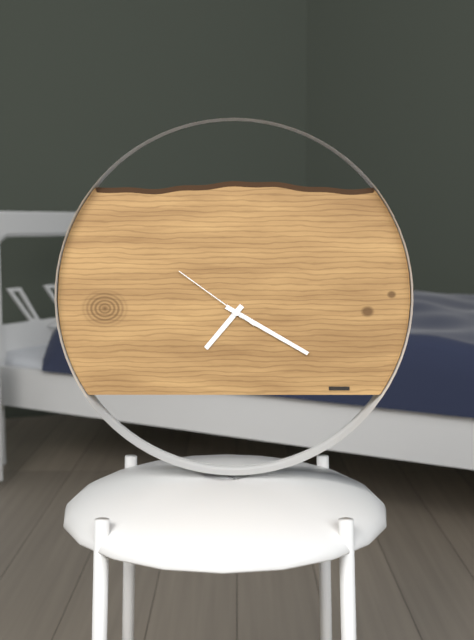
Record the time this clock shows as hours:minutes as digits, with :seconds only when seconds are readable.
7:20:51
